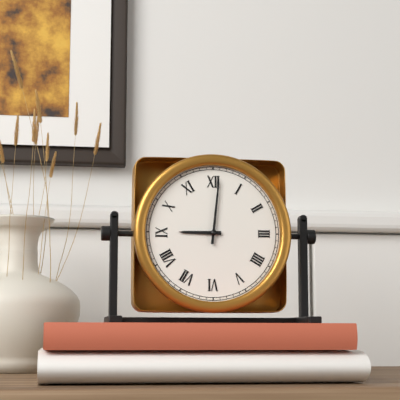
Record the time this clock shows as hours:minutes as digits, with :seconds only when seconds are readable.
9:01
